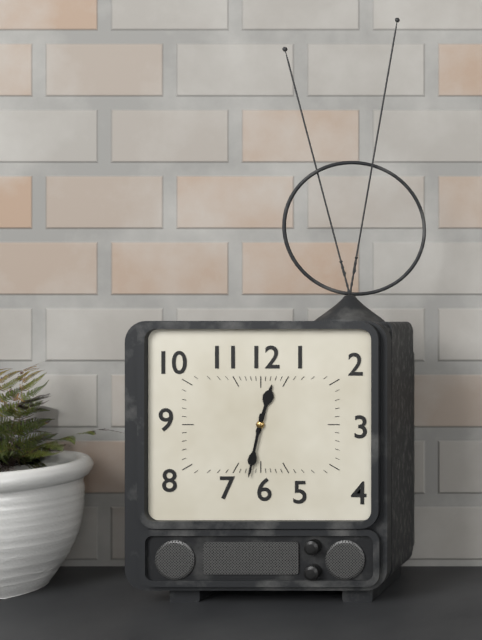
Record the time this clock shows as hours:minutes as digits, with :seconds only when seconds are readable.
12:32
